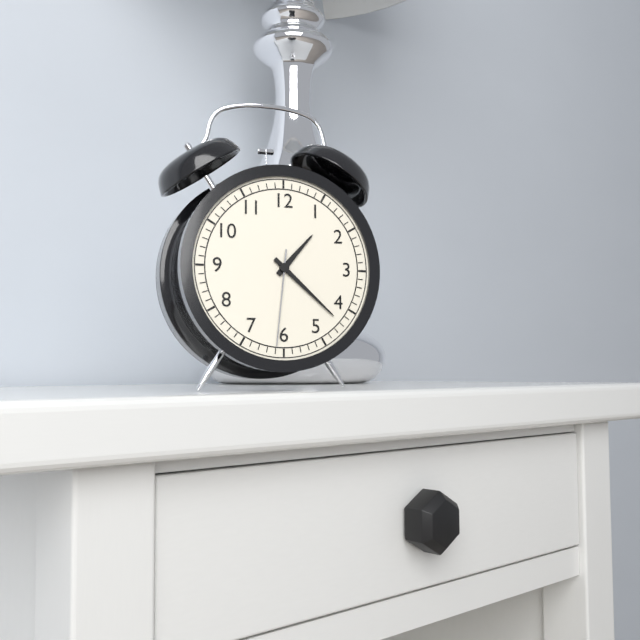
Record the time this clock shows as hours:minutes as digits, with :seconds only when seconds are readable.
1:22:31
